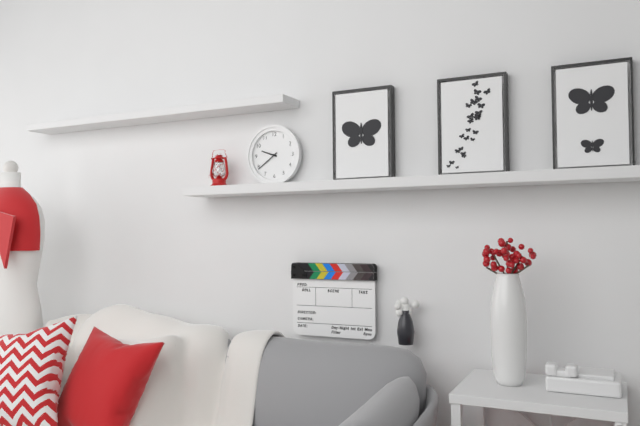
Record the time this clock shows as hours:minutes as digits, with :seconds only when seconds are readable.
9:39
